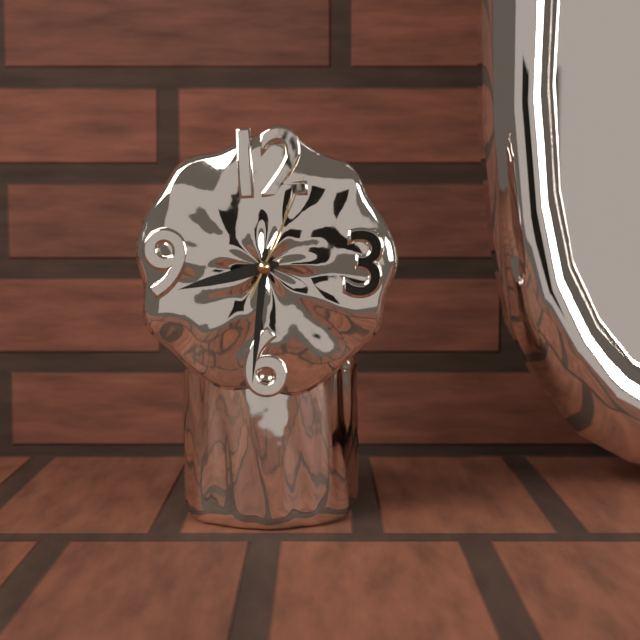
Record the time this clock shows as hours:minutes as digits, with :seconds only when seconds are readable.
8:31:04
